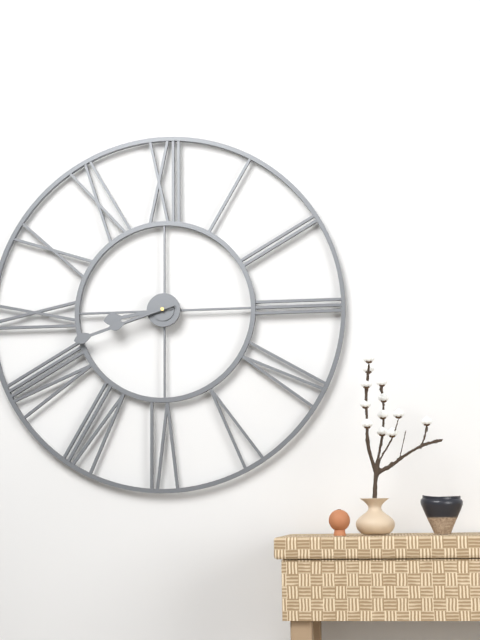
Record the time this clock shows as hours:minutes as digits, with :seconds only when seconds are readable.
8:42:42
